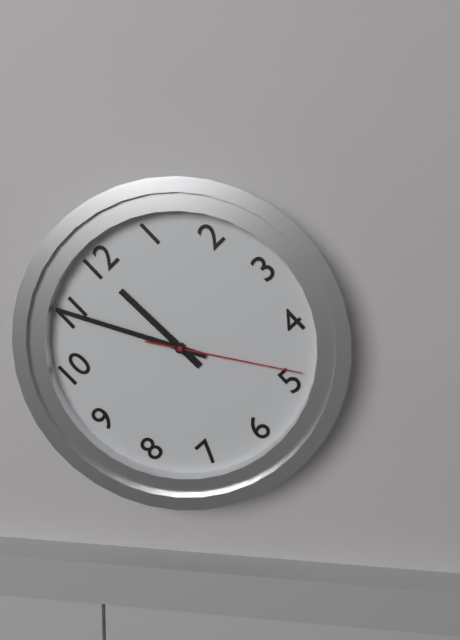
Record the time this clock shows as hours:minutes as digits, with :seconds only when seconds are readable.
11:55:24
